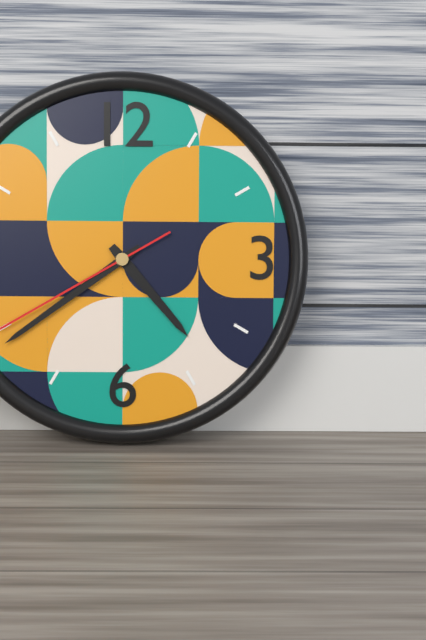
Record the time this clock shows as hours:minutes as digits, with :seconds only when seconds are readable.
4:39
